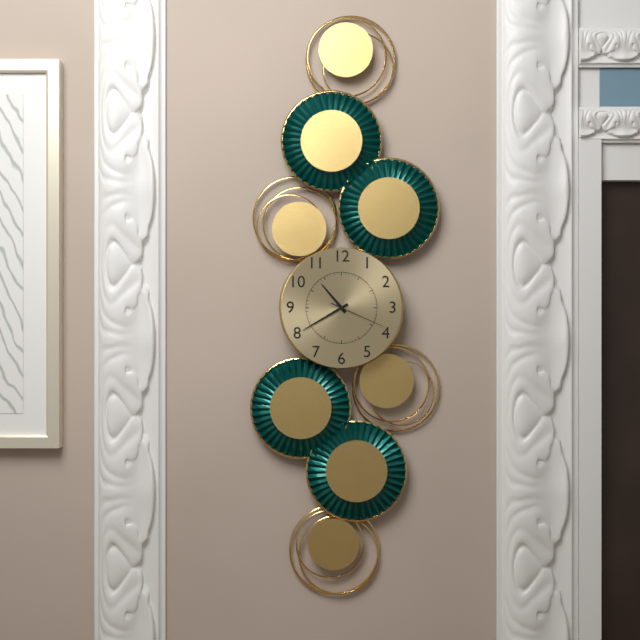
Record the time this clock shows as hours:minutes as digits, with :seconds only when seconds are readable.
10:40:19
